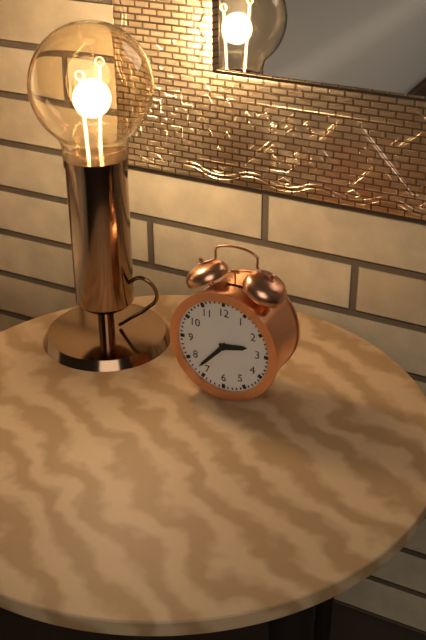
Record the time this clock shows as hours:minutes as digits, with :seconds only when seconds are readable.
2:37
